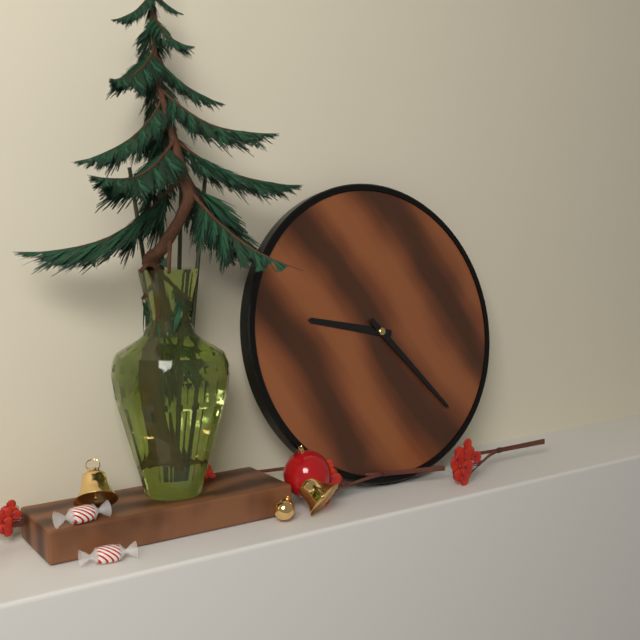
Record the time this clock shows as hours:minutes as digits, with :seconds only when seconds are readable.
9:23
